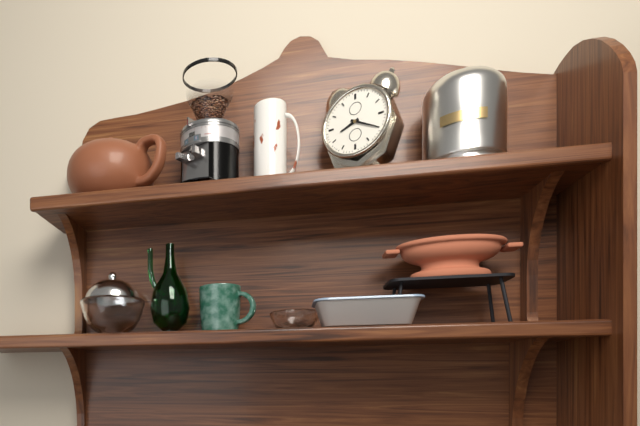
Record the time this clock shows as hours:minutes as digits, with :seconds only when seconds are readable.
8:20
